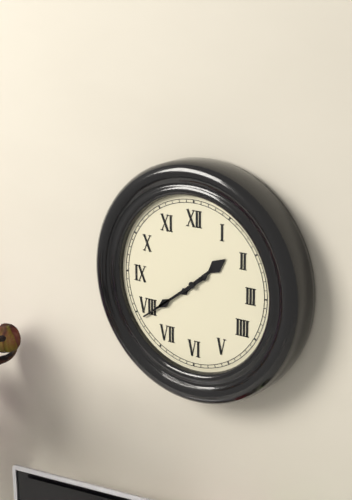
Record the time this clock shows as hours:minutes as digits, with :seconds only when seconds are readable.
1:39
